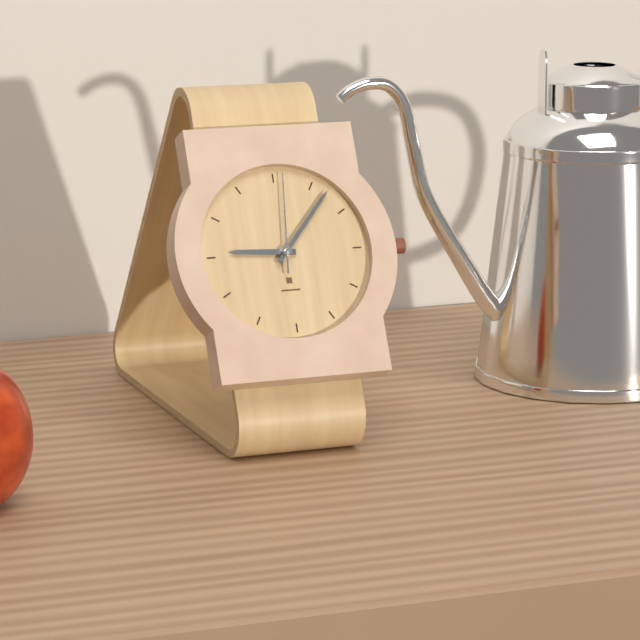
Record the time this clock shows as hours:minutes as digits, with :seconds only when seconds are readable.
9:07:01
